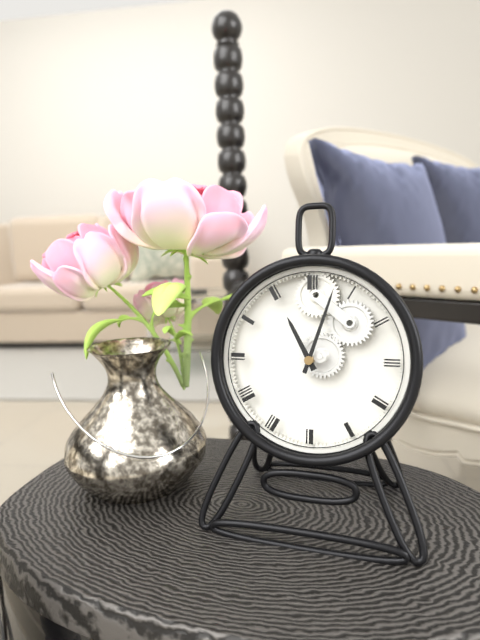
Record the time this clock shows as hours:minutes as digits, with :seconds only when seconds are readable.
11:03
